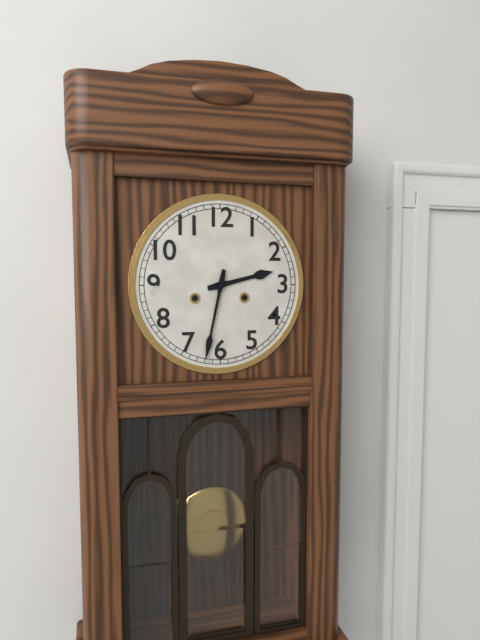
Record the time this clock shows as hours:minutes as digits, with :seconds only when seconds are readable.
2:32
